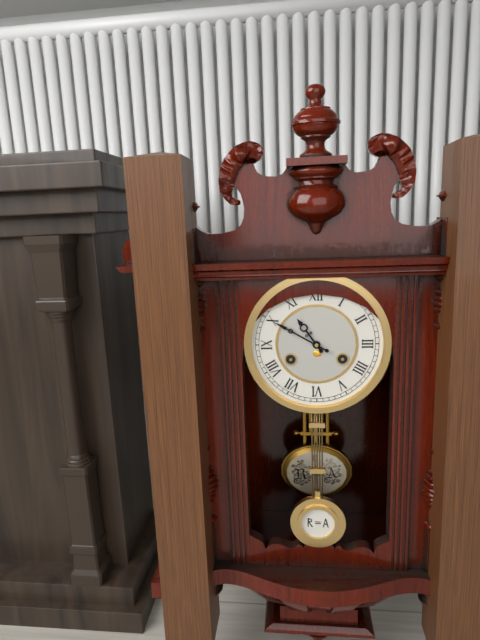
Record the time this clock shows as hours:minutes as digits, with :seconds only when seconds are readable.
10:50
